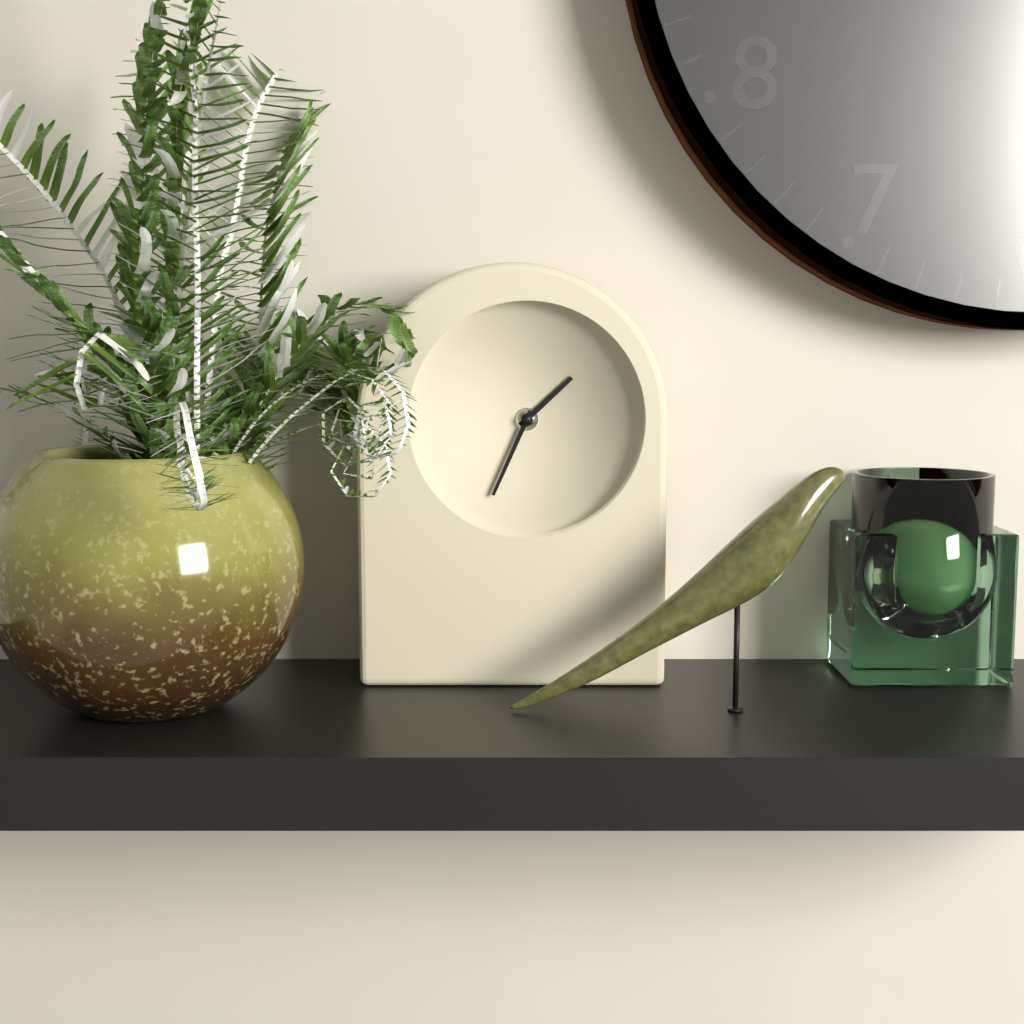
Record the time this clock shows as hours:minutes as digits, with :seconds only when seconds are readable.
1:34
